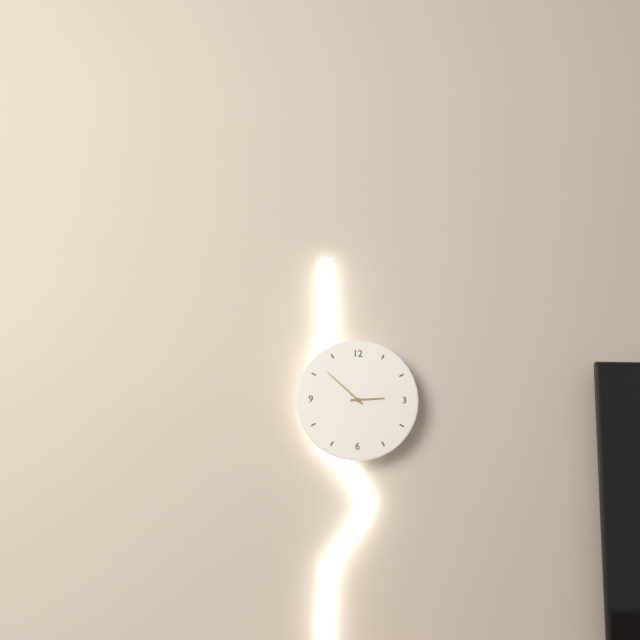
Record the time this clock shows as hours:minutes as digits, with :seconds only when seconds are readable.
2:52
